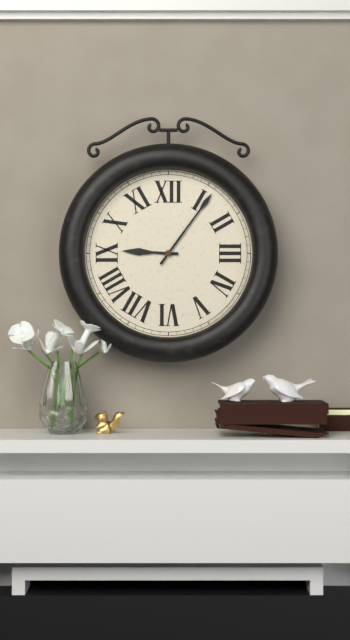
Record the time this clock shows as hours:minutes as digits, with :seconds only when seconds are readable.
9:06
